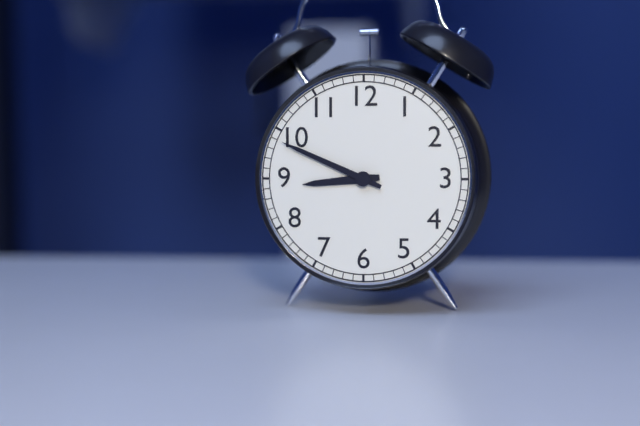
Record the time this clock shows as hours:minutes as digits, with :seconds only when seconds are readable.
8:49
